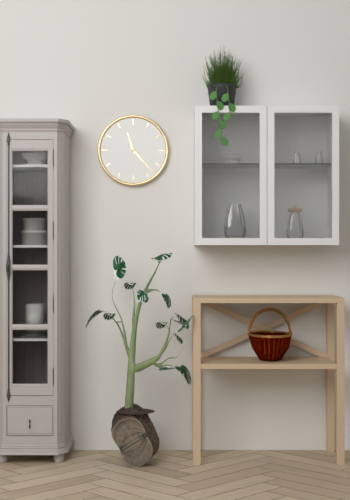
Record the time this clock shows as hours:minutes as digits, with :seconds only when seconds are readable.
11:23
